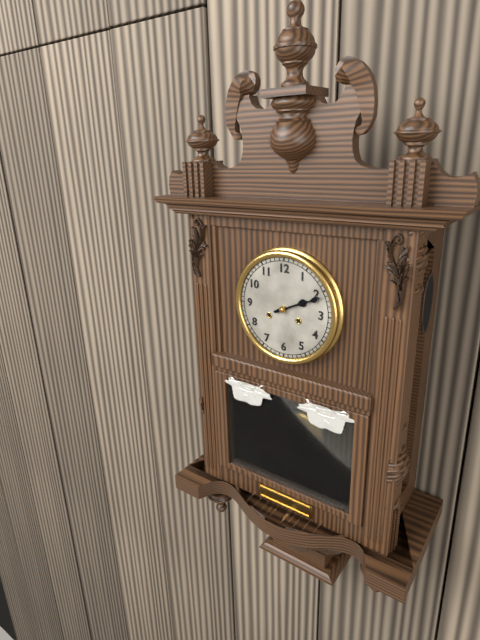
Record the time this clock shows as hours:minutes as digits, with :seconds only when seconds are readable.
2:11
